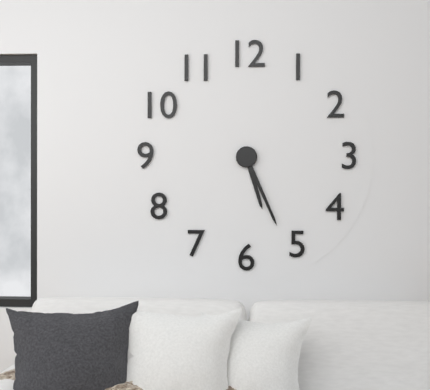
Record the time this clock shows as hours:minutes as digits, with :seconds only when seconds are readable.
5:26
